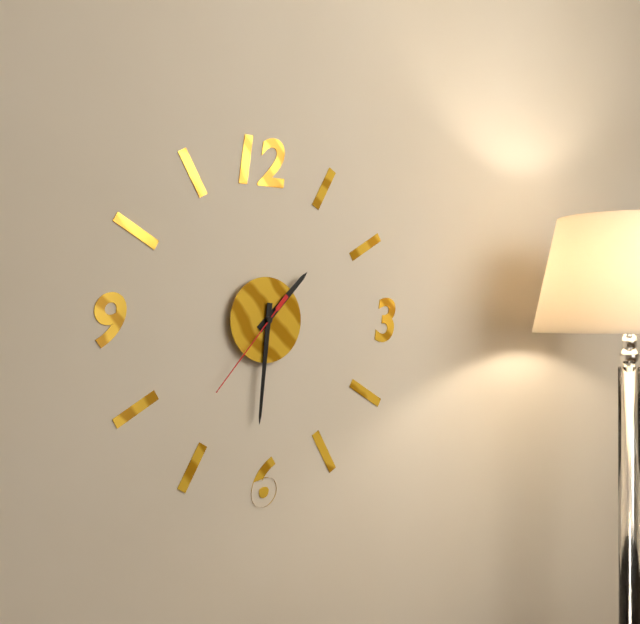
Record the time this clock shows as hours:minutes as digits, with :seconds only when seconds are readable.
1:31:37
